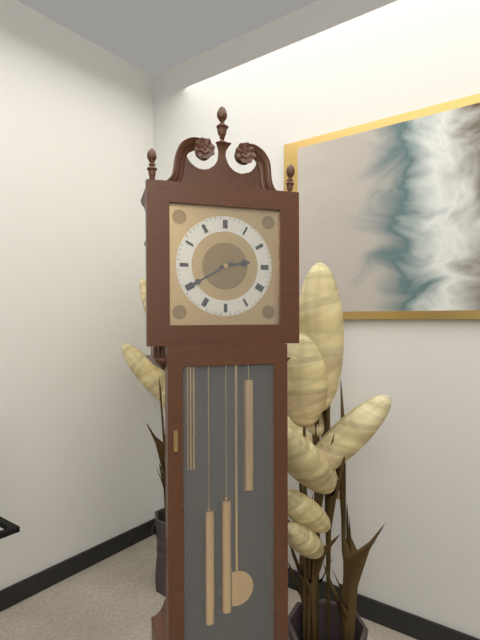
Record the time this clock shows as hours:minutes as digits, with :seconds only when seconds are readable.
2:40
